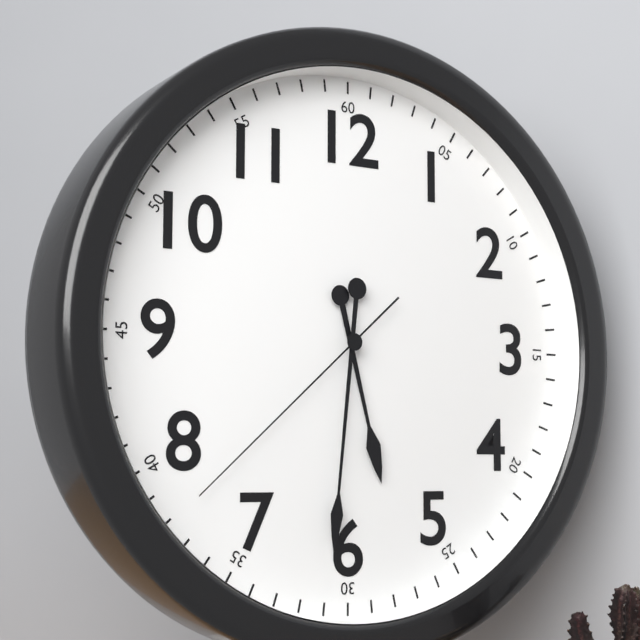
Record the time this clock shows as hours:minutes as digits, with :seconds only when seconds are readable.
5:31:38
